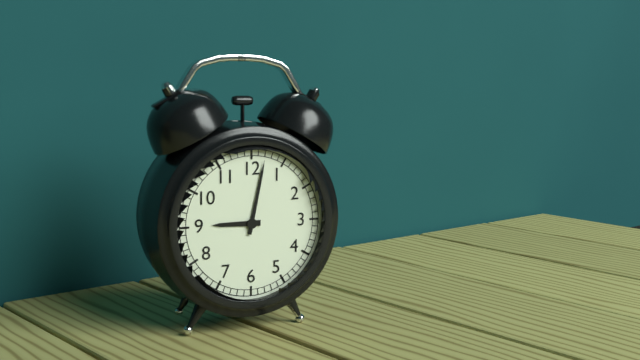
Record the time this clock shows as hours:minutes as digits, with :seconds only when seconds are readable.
9:02
